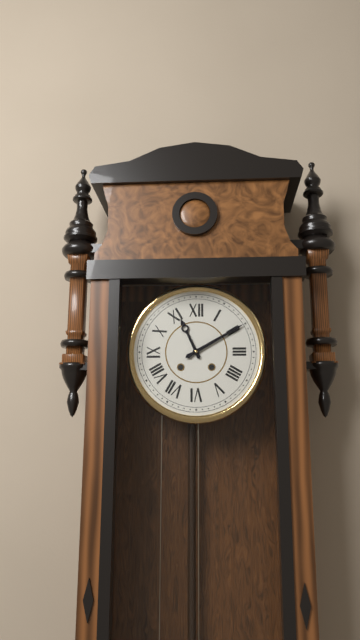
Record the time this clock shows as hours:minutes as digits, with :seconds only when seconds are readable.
11:10
